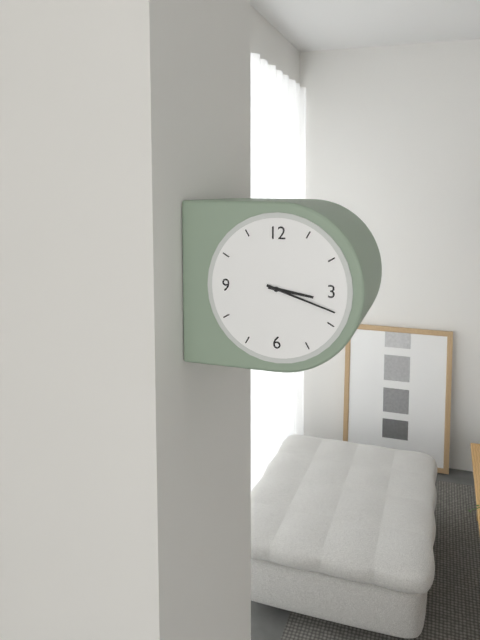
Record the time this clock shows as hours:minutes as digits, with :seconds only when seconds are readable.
3:18
